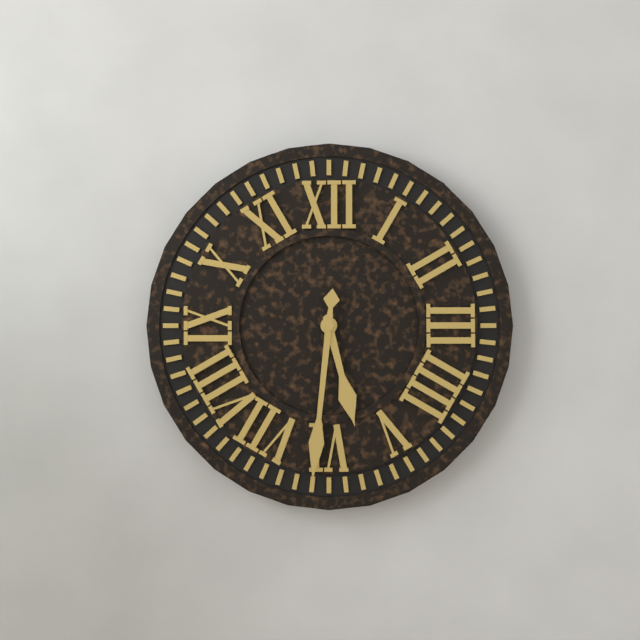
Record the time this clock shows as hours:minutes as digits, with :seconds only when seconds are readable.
5:31
